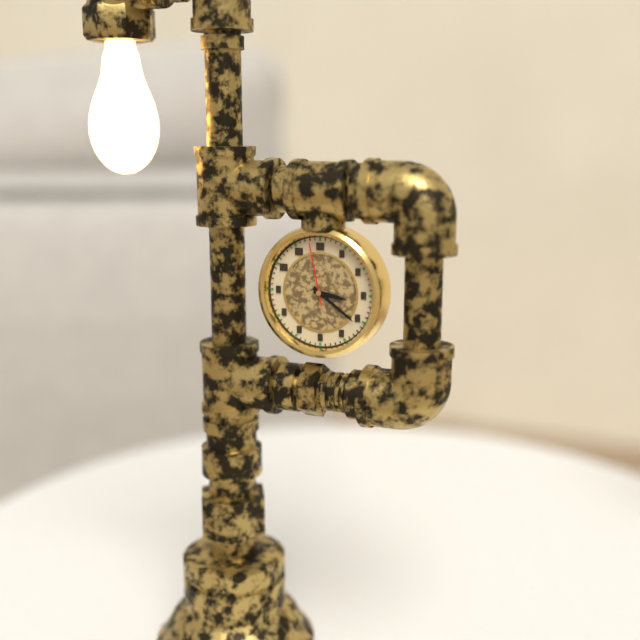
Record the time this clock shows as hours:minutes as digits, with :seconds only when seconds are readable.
3:21:58
